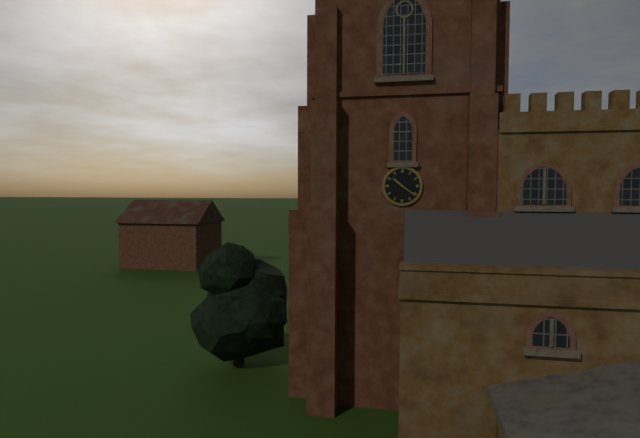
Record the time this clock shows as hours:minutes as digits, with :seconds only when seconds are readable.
10:21
